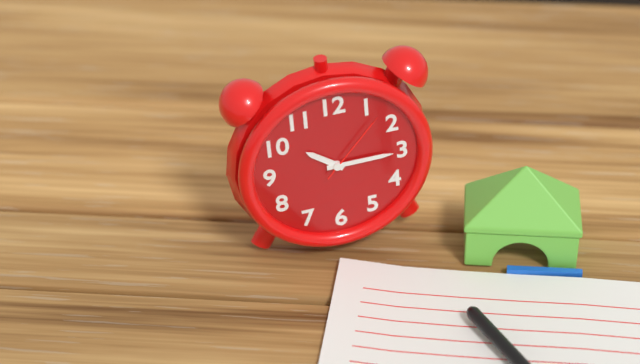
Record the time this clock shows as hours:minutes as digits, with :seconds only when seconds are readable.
10:15:07
